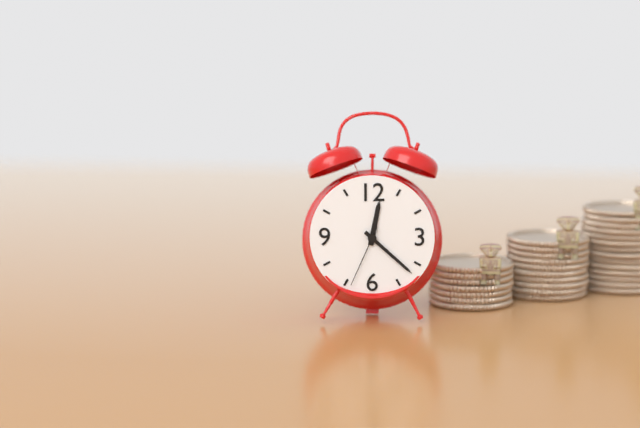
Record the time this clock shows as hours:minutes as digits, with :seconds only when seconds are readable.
12:22:34
